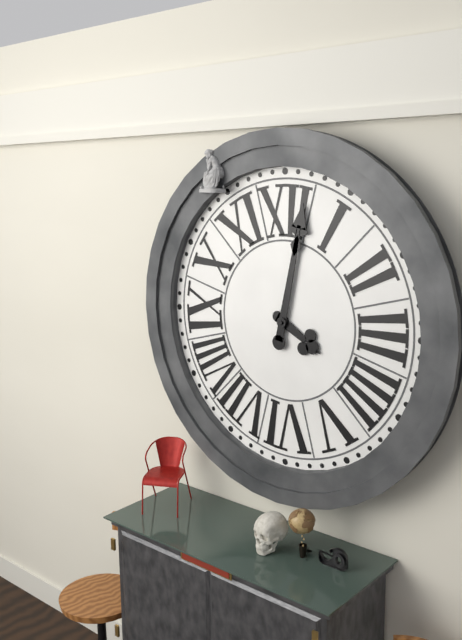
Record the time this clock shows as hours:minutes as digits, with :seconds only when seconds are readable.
4:02
